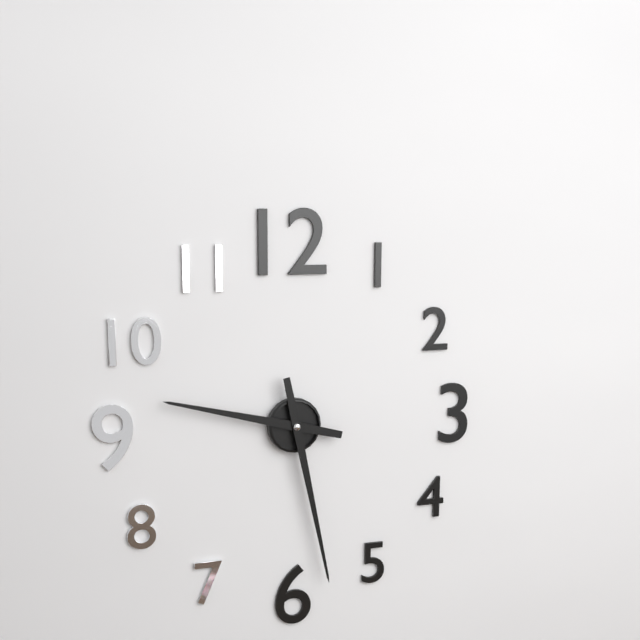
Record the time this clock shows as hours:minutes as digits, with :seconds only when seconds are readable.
9:28
